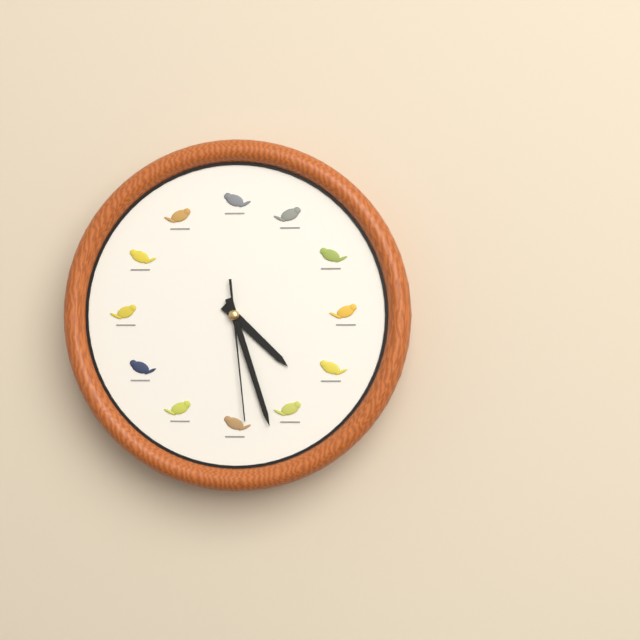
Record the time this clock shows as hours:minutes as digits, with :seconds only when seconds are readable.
4:27:29
